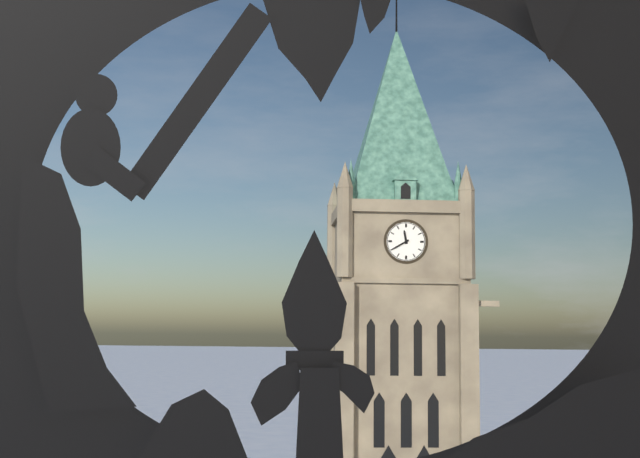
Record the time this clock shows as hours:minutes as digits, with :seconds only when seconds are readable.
11:40
